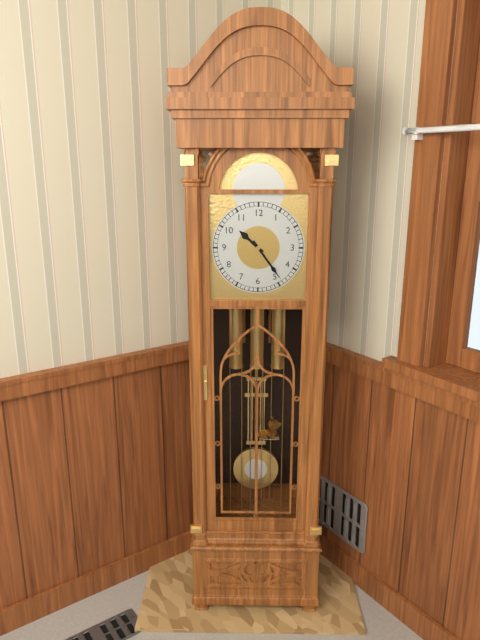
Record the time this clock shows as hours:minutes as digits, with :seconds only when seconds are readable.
10:24
